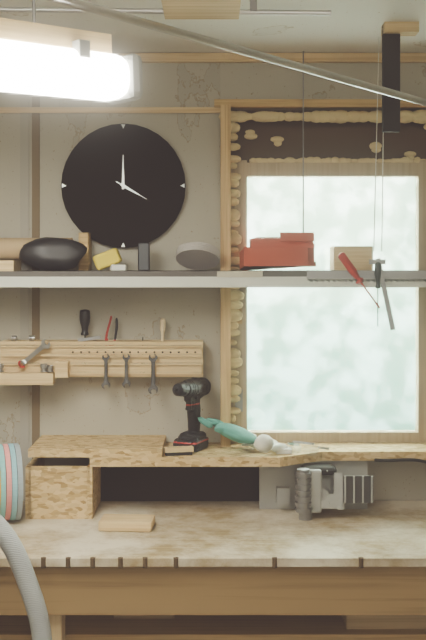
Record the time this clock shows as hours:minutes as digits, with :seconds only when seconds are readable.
4:00
